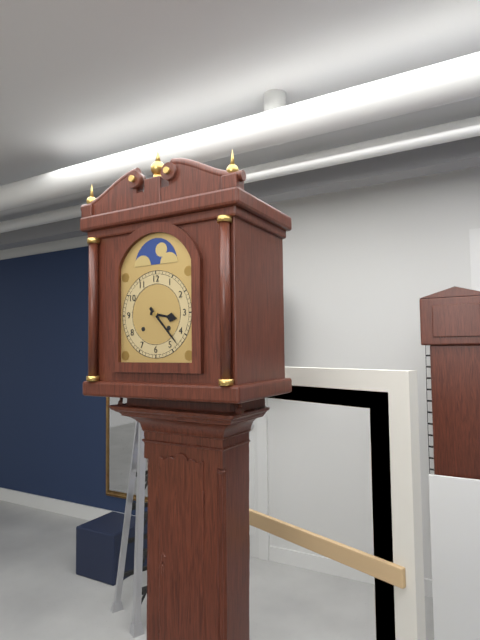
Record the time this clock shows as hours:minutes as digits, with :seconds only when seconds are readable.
3:23
